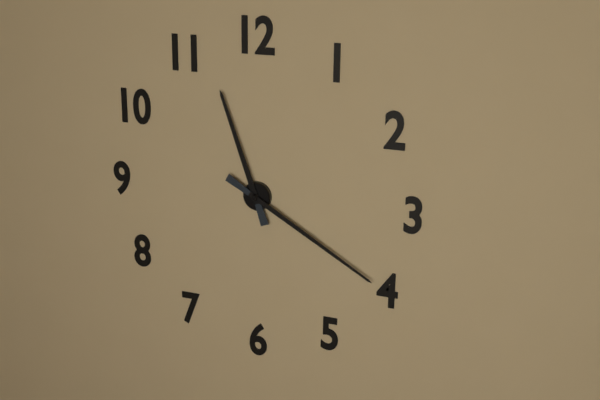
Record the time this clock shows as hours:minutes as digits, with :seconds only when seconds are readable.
11:20
